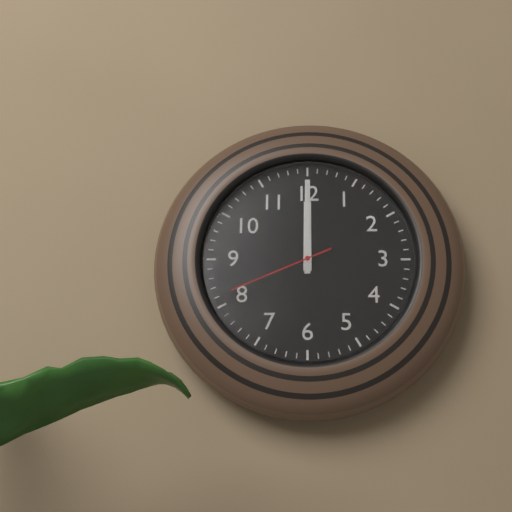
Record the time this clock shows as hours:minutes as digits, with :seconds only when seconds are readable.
12:00:41
